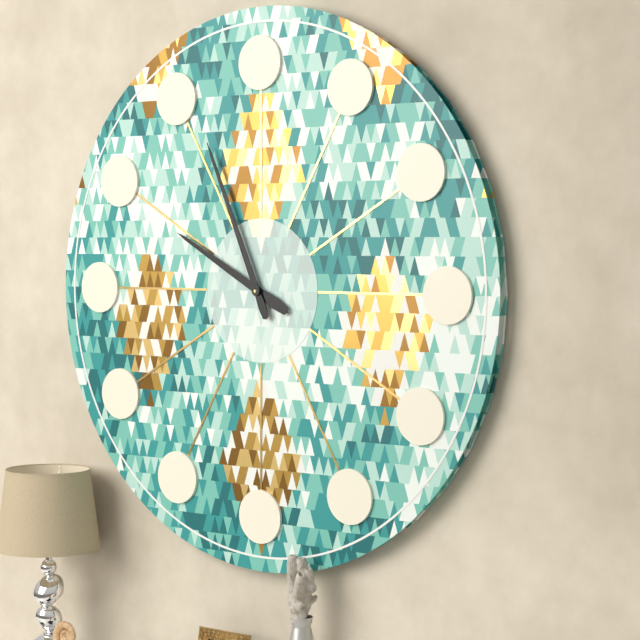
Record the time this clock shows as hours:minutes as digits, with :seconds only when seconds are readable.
9:56
